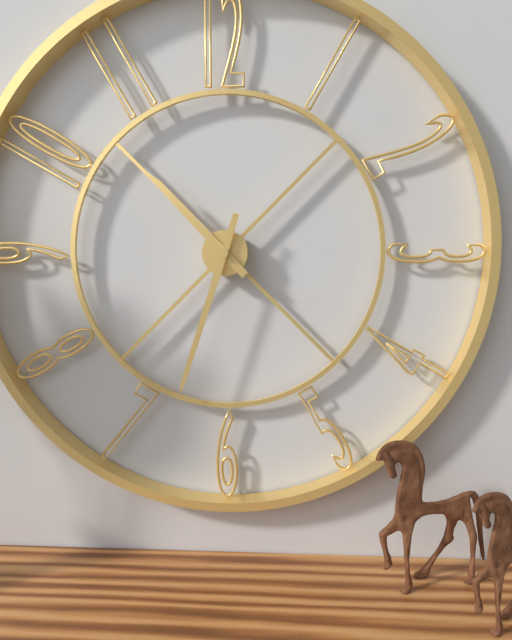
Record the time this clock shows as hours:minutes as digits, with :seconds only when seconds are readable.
10:33
